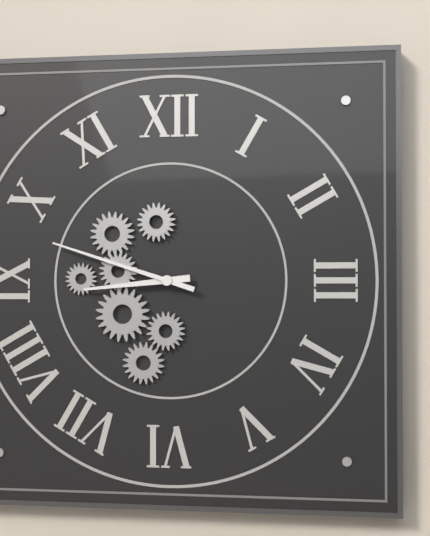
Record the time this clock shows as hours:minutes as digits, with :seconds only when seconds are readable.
8:48
